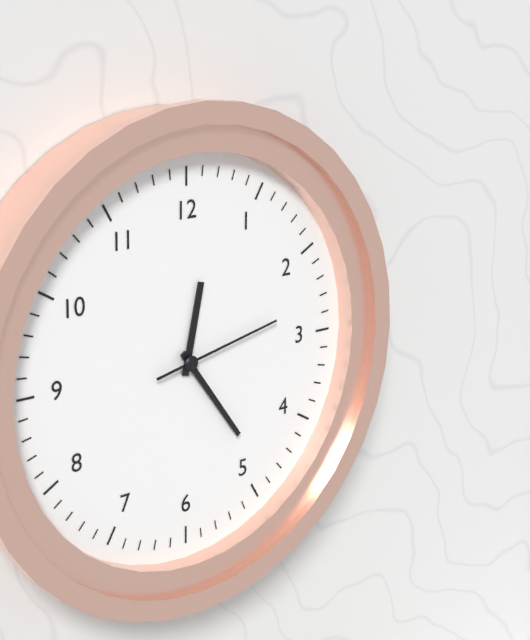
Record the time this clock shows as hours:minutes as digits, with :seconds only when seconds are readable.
12:24:13
